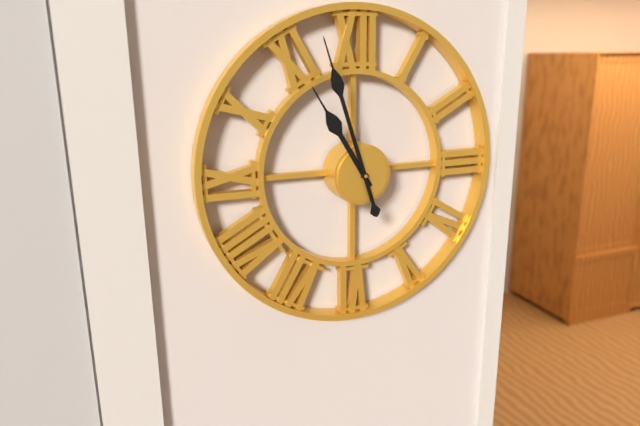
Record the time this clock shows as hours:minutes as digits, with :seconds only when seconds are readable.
10:57
